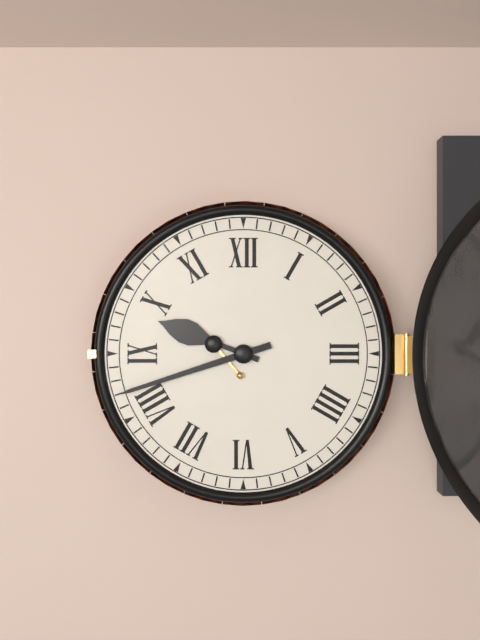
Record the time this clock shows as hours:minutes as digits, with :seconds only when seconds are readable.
9:42
